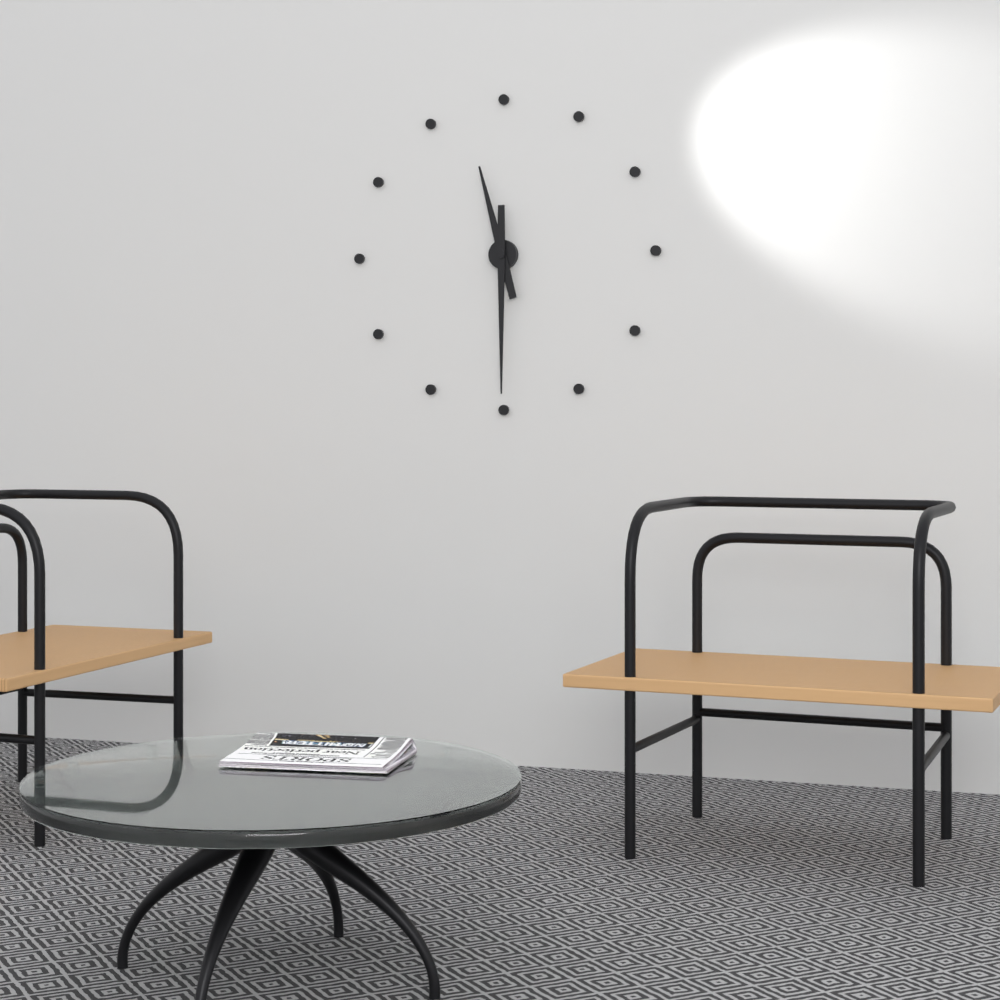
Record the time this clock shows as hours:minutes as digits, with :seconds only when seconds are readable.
11:30
